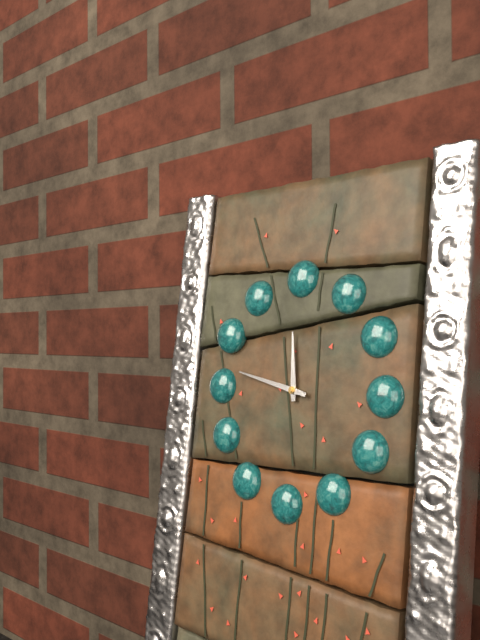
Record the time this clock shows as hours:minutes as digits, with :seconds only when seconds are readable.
11:47
